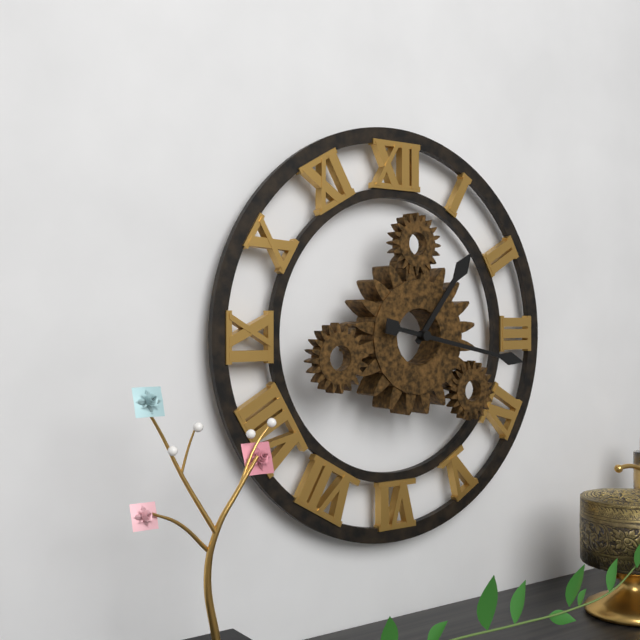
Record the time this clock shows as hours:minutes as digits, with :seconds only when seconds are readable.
1:17
